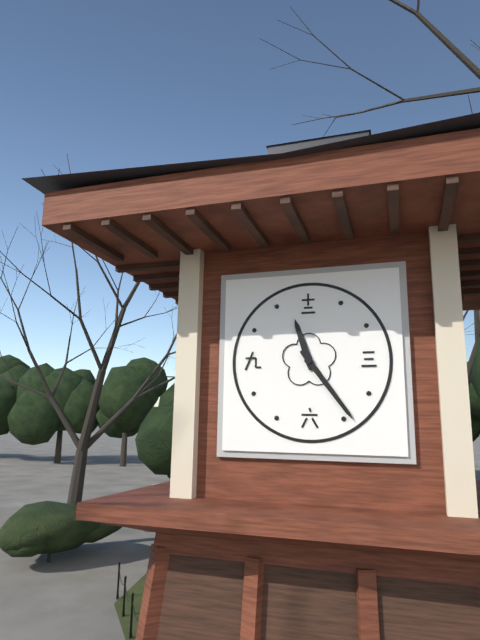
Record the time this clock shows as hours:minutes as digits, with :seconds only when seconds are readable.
11:24
